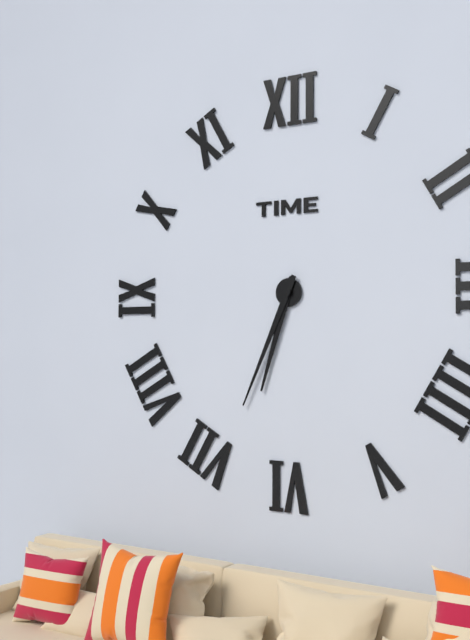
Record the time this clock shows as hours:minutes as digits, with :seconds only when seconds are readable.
6:34
